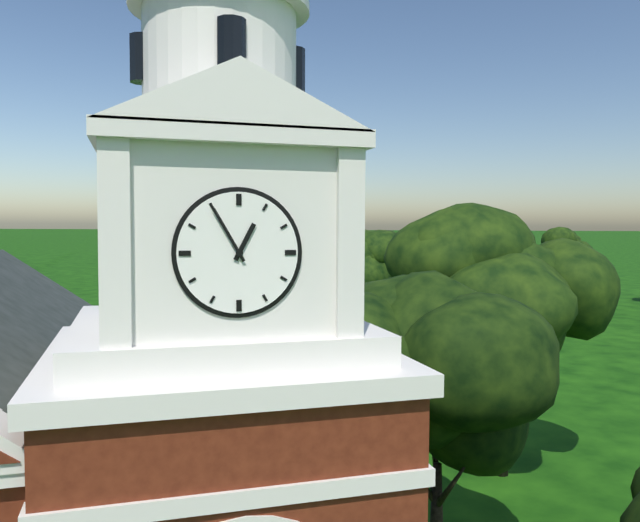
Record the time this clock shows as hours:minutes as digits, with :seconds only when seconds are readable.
12:55
